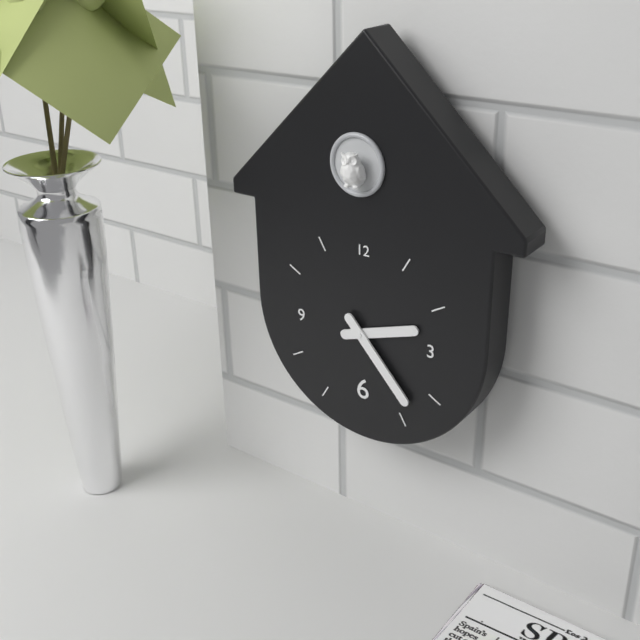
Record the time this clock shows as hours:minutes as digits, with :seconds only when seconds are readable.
2:23
